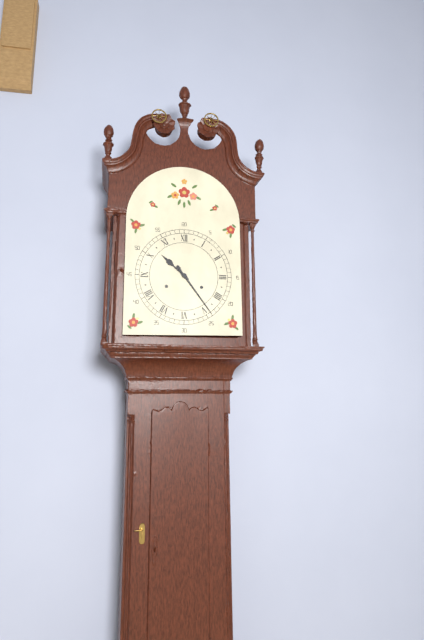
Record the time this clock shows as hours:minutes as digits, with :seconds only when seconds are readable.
10:24
